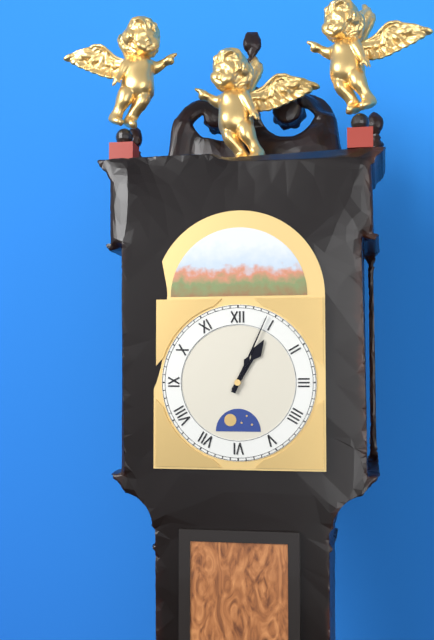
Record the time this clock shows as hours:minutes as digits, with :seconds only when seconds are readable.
1:04
